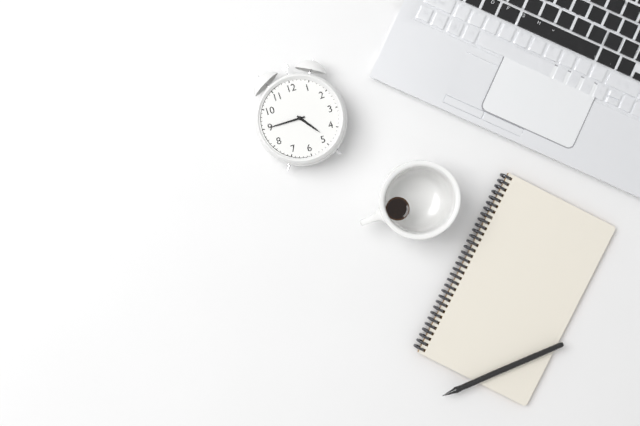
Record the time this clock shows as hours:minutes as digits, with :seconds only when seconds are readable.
4:45
